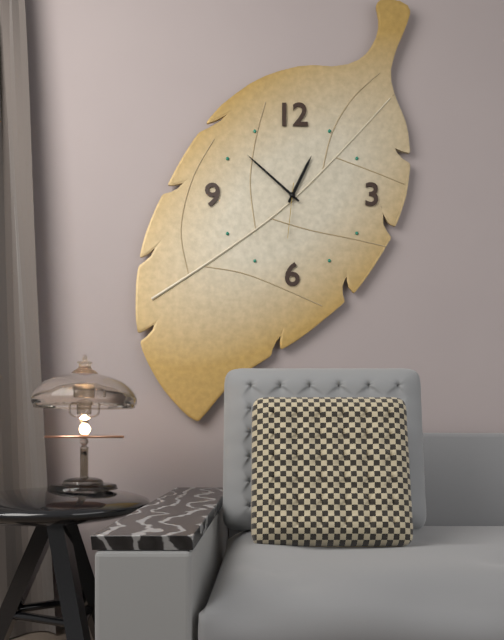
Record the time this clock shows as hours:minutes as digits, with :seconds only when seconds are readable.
12:52:31
